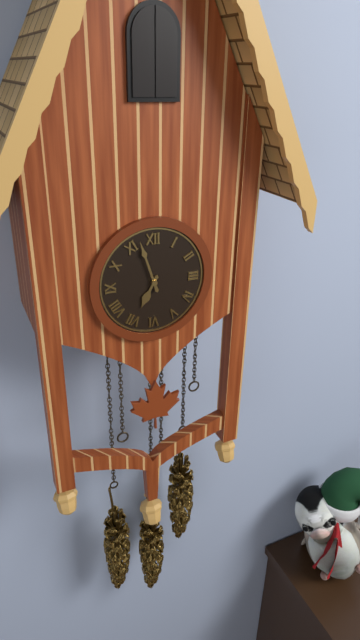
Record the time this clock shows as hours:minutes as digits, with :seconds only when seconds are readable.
6:57
